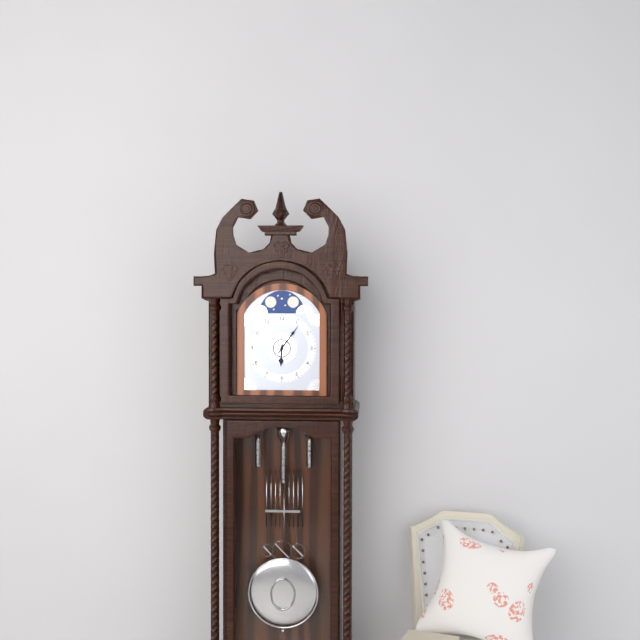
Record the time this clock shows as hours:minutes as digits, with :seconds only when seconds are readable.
6:06
